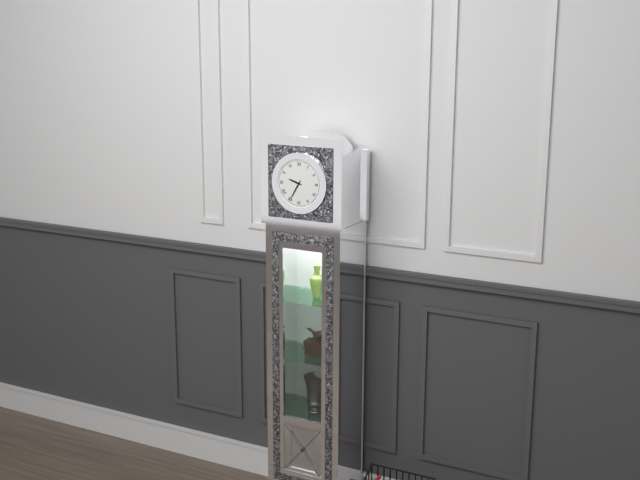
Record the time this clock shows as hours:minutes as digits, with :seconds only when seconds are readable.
9:35
